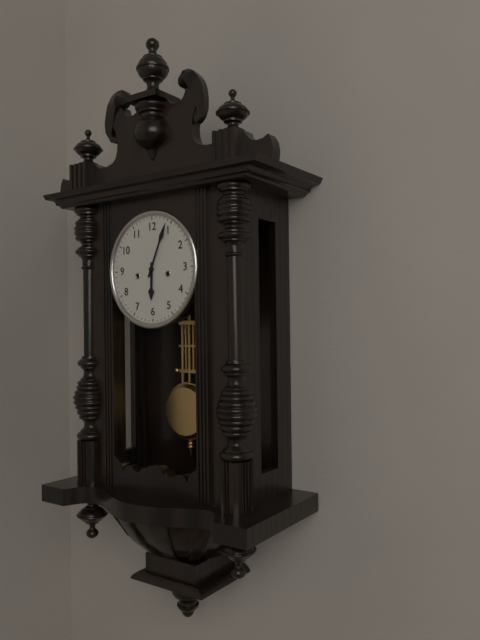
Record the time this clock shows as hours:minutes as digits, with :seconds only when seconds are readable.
6:04
